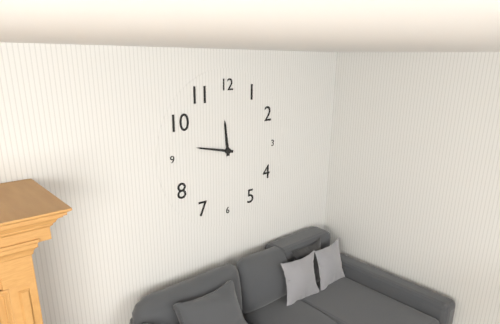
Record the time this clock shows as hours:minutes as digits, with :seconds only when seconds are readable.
11:47
